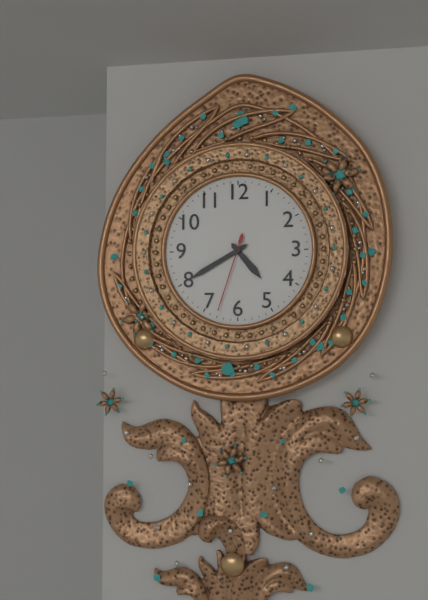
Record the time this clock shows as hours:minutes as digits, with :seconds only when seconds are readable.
4:40:33
